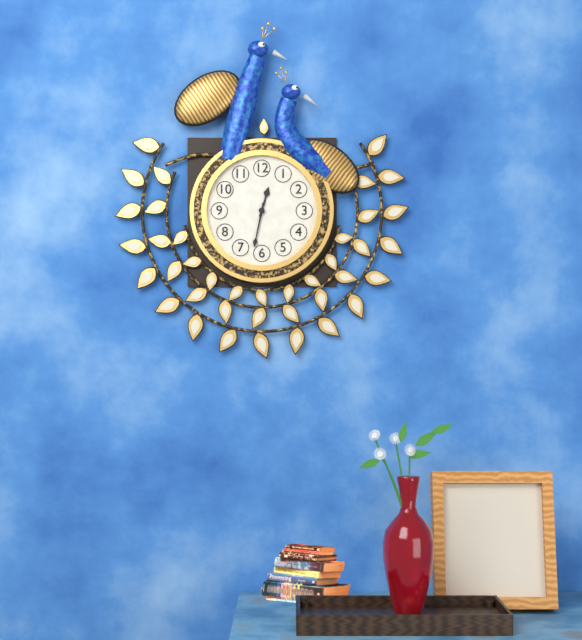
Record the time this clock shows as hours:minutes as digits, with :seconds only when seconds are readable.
12:32
